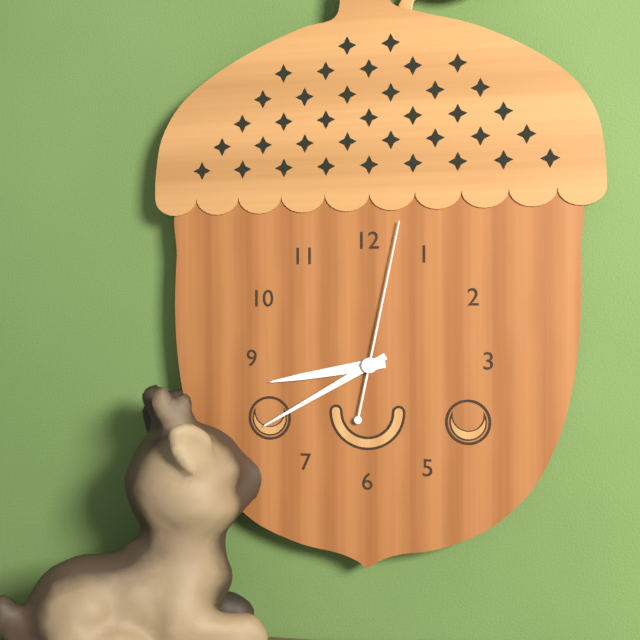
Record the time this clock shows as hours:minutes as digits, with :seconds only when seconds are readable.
8:40:02
